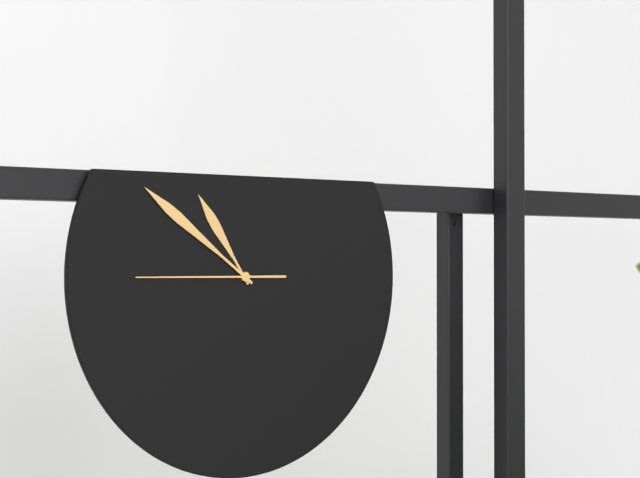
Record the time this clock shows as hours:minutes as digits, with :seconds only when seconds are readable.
10:51:45
